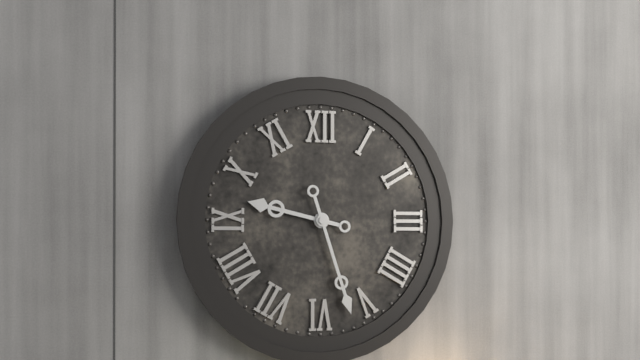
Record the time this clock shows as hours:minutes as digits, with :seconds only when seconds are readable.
9:27
